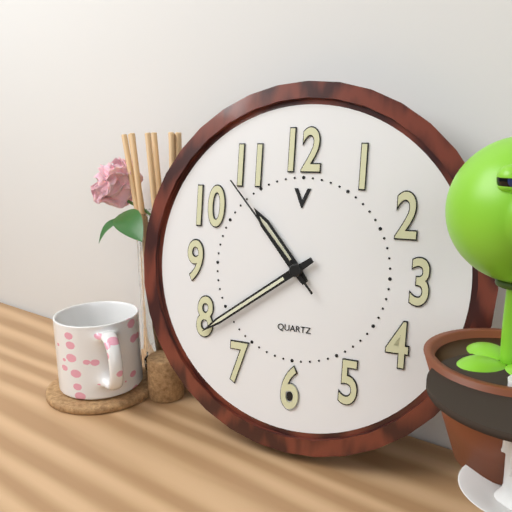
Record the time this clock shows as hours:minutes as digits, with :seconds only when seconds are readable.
10:39:53
